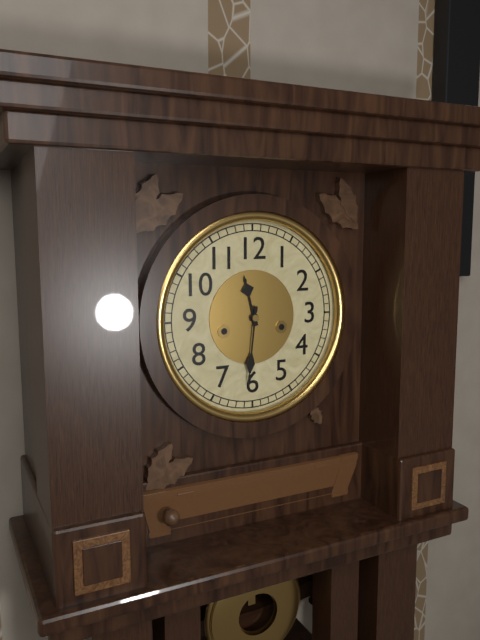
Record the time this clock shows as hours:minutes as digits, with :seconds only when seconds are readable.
11:31
